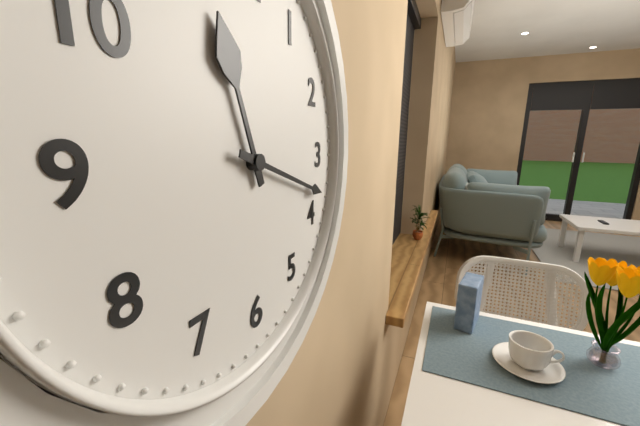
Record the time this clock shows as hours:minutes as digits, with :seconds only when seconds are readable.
11:18
